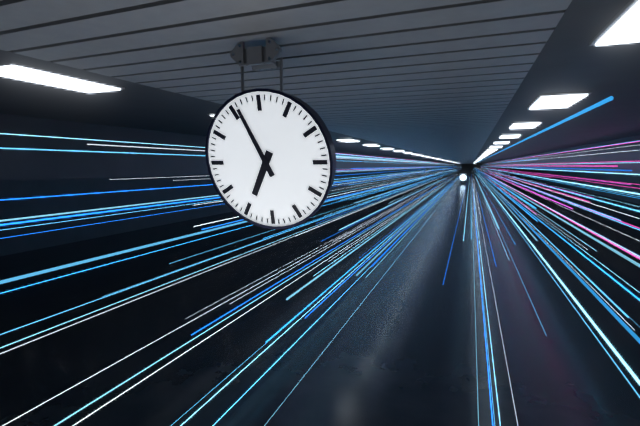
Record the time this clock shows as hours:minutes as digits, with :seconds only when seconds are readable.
6:56
